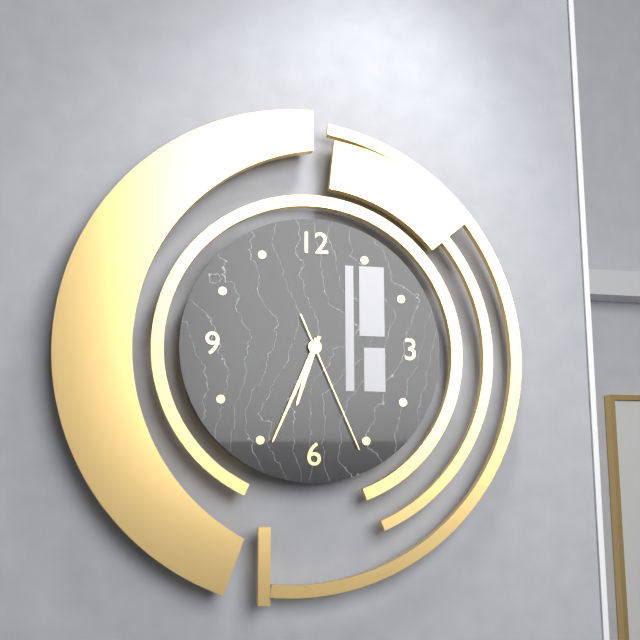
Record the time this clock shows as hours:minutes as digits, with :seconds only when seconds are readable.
6:34:26
